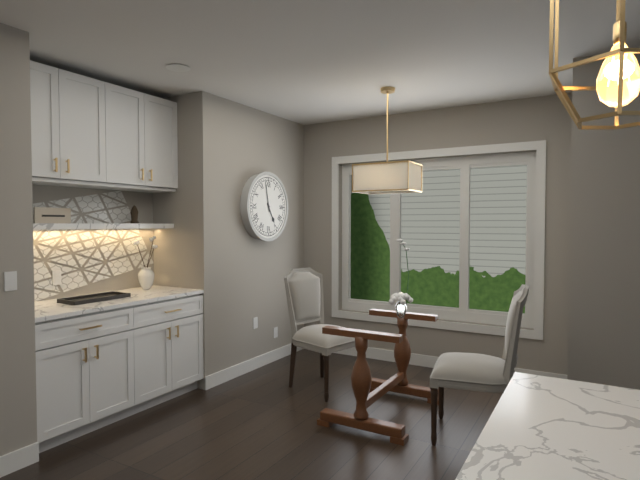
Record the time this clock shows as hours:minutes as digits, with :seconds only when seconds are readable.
4:58
